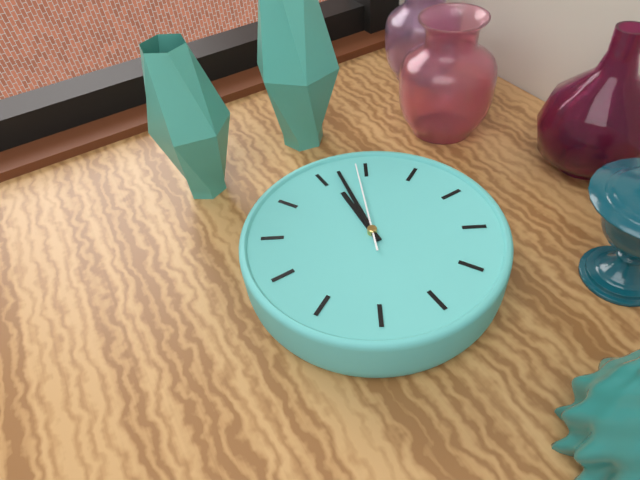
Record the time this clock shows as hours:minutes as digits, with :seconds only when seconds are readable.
2:12:14
